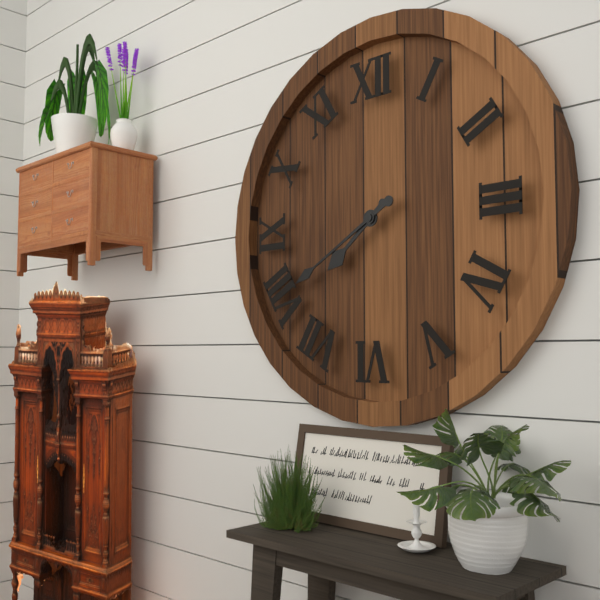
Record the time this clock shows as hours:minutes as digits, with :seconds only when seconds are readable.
7:40
